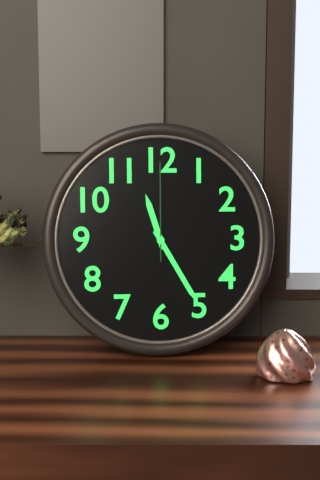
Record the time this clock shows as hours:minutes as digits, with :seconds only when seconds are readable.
11:25:00
